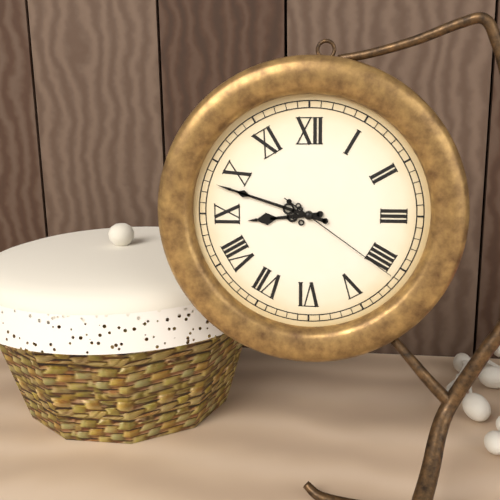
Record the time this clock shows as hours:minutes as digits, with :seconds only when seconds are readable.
8:48:21
